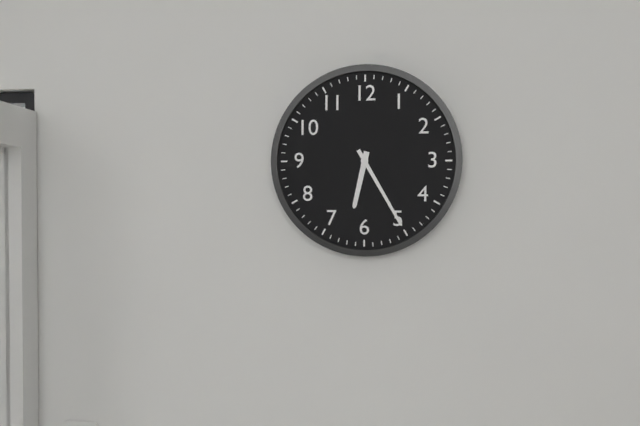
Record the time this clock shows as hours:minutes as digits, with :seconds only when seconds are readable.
6:25
